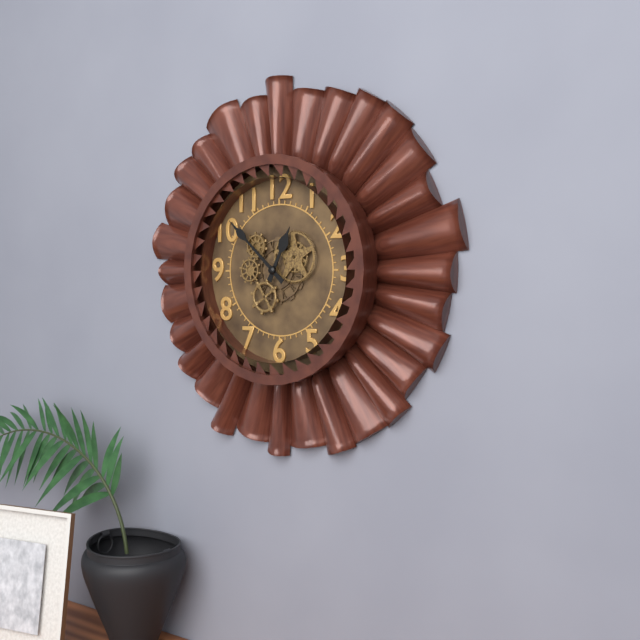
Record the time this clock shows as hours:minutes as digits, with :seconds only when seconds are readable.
12:52
